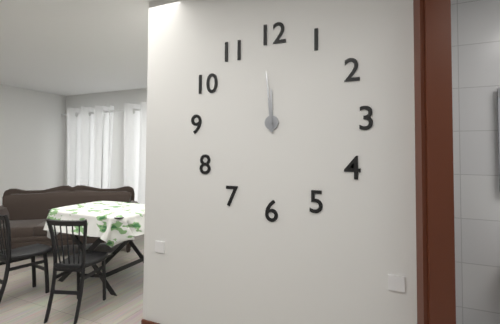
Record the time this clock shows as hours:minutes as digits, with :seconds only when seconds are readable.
11:59
